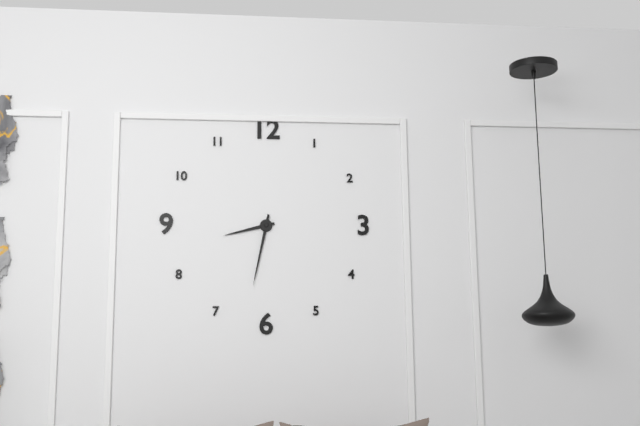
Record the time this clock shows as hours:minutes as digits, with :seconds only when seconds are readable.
8:32
